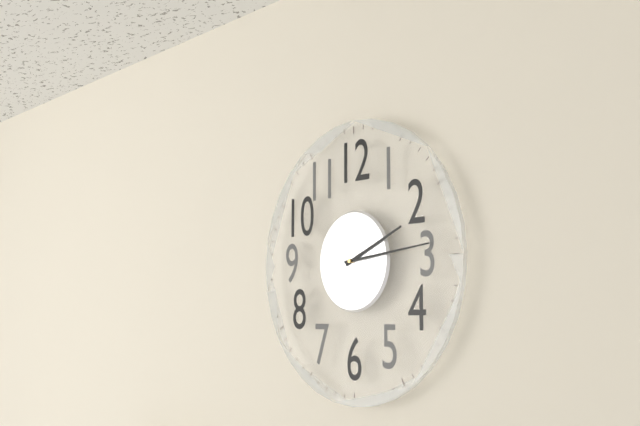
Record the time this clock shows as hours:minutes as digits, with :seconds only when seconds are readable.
2:14
